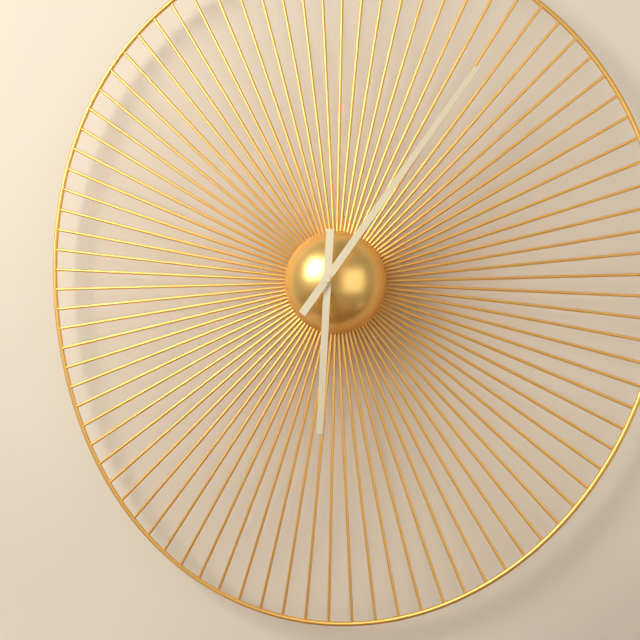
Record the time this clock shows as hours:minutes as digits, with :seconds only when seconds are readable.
6:06
